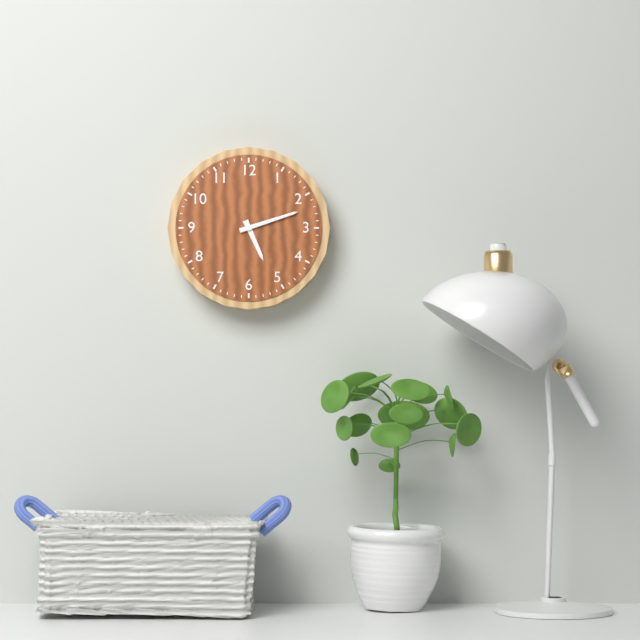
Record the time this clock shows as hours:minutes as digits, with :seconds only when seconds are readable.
5:12
